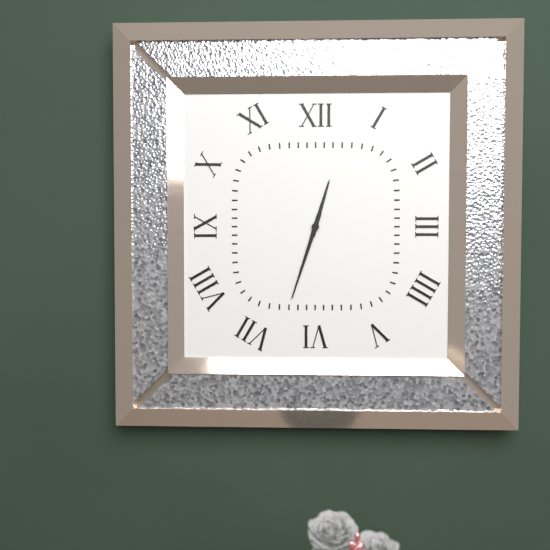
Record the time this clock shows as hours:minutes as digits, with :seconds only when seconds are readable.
12:33
